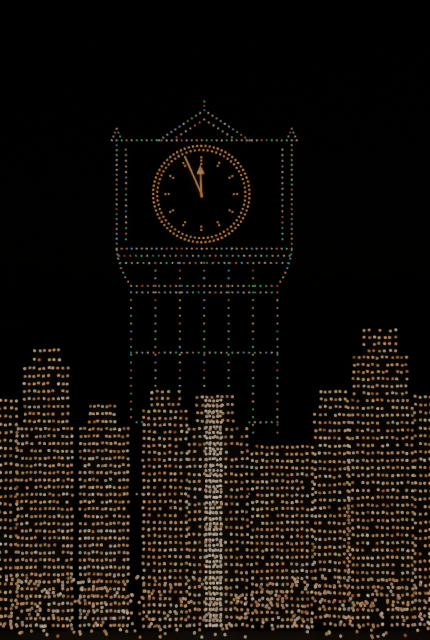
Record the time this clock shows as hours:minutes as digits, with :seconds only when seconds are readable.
11:56
